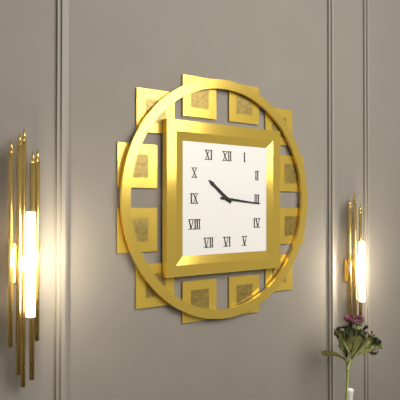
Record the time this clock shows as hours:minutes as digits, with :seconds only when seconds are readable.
10:16
